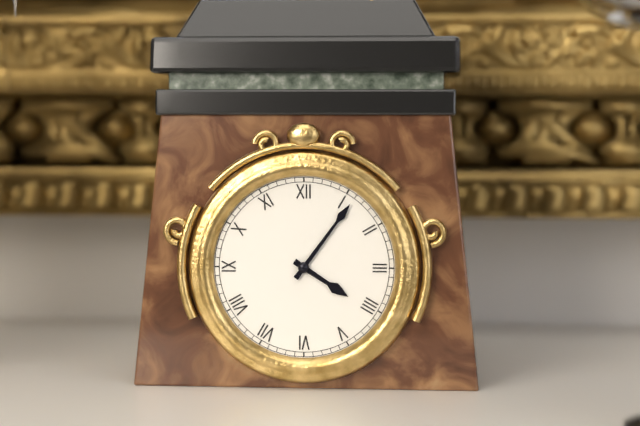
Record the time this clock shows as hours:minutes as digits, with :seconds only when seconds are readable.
4:06
